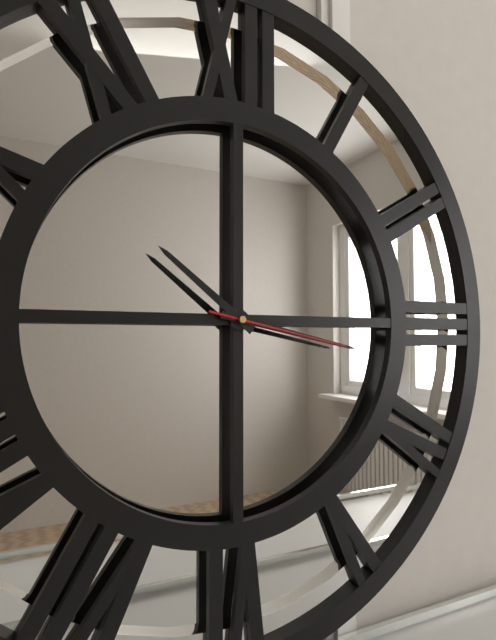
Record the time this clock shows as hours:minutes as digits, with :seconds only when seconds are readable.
10:17:17
